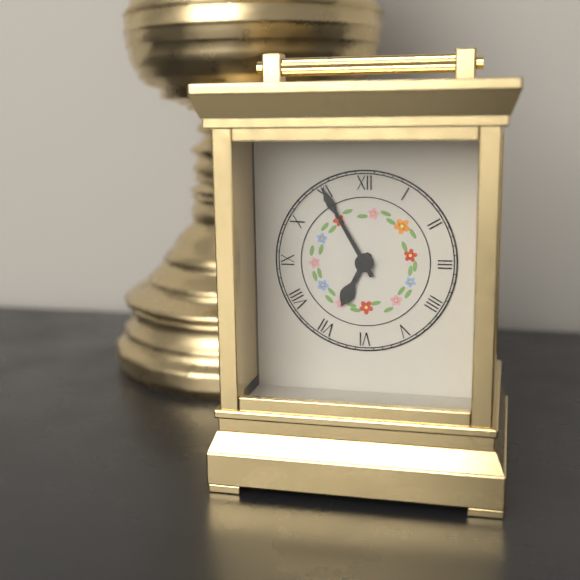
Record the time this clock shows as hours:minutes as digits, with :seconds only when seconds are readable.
6:55
